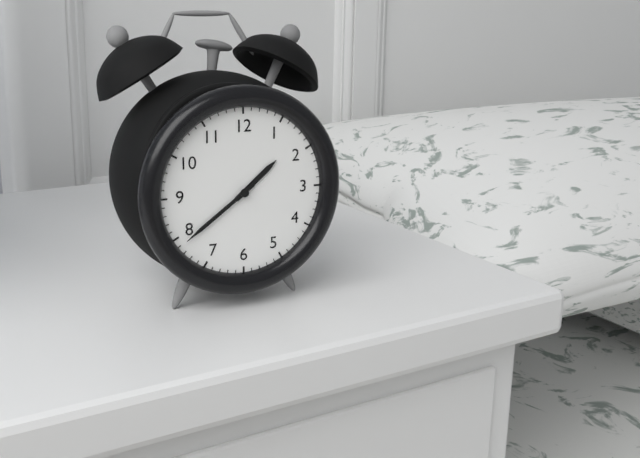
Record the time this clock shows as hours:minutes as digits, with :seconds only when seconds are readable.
1:39
